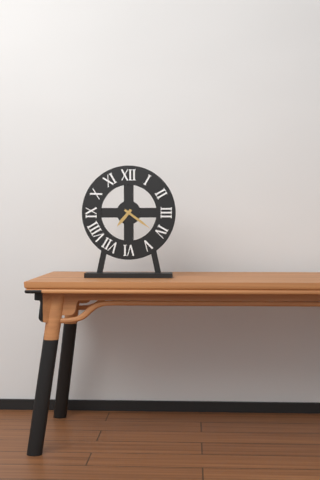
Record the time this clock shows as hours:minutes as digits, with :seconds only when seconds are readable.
7:21
